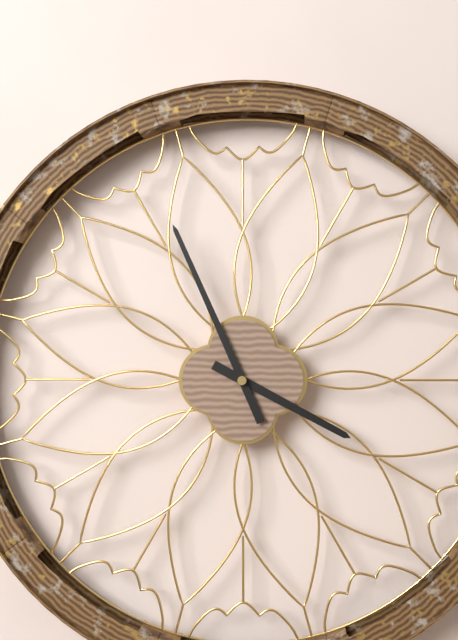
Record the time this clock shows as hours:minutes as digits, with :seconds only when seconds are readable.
3:56
